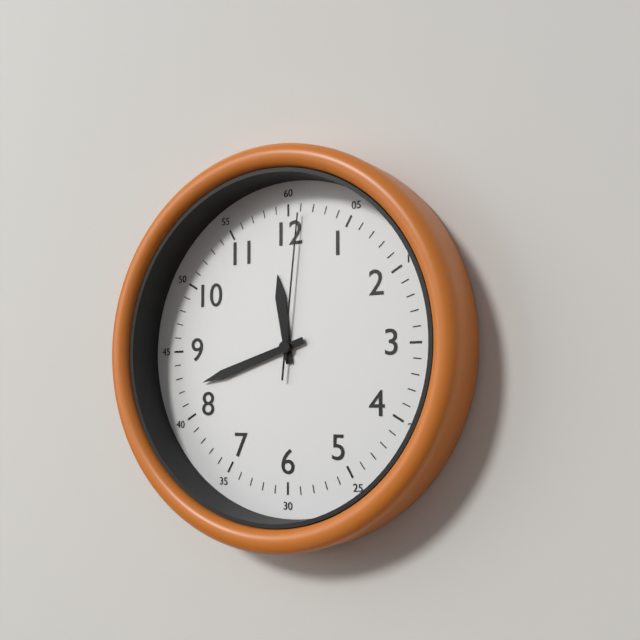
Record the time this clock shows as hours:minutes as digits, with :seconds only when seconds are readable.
11:42:01
